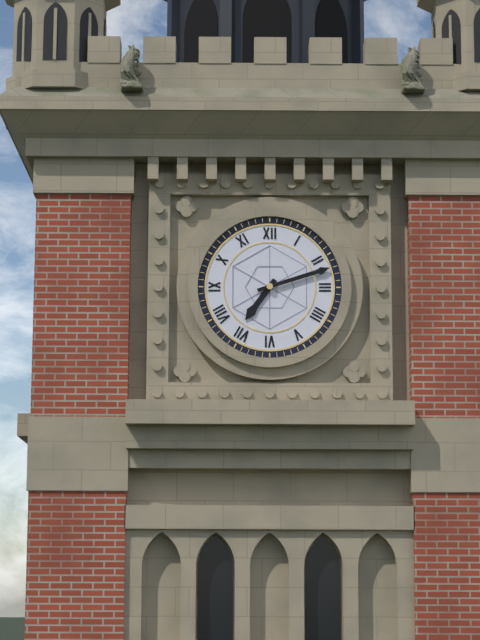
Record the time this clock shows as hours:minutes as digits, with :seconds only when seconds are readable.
7:12
